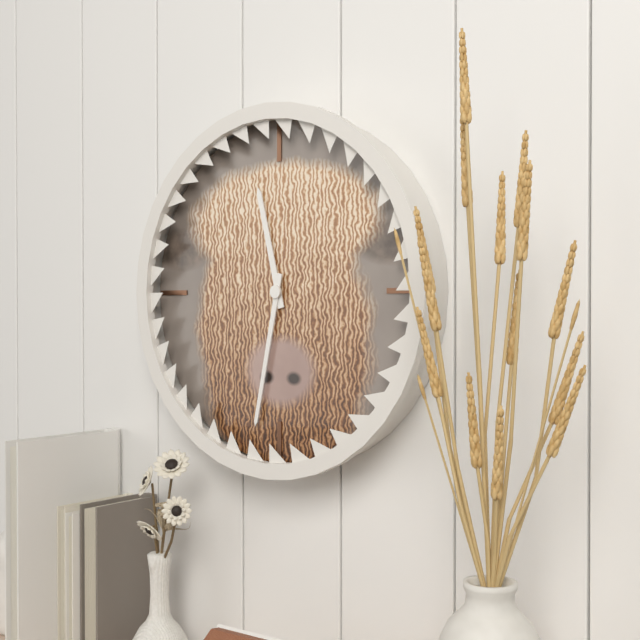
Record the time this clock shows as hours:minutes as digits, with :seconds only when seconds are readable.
11:32
